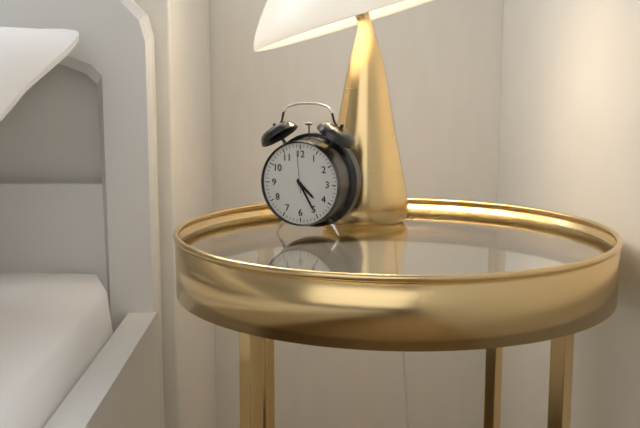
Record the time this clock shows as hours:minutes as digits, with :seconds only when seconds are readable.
4:25
